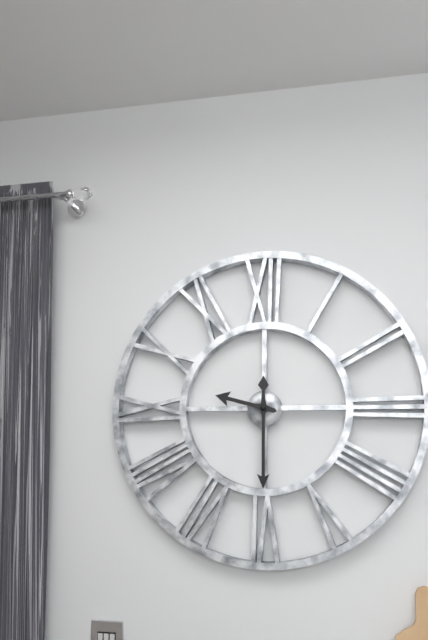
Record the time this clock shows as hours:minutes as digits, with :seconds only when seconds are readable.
9:30
